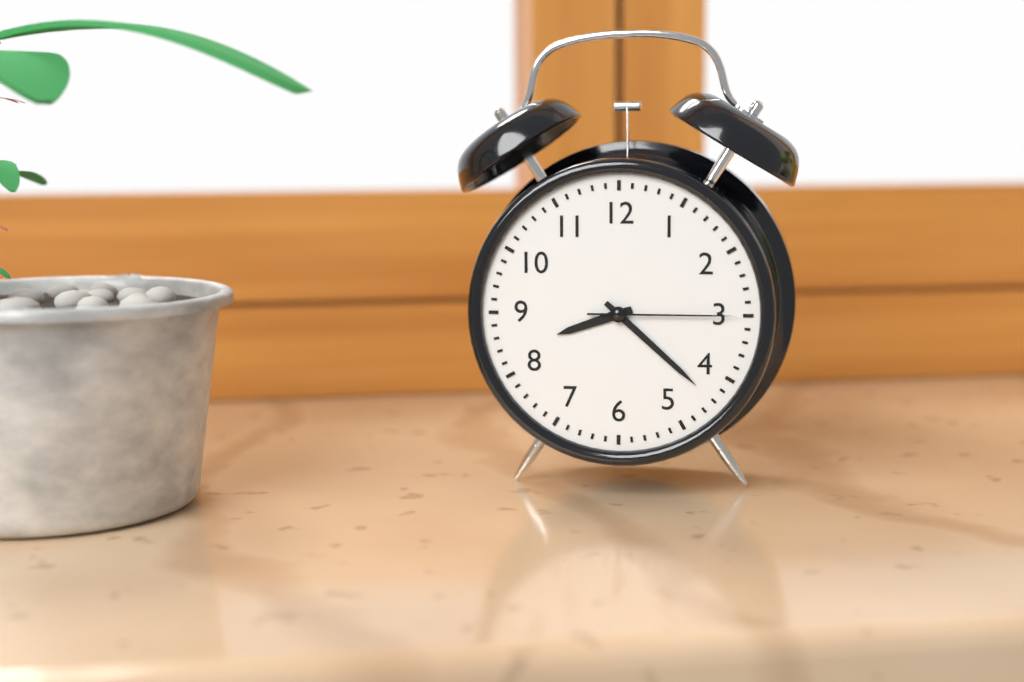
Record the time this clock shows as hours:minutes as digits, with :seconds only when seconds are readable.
8:22:15
